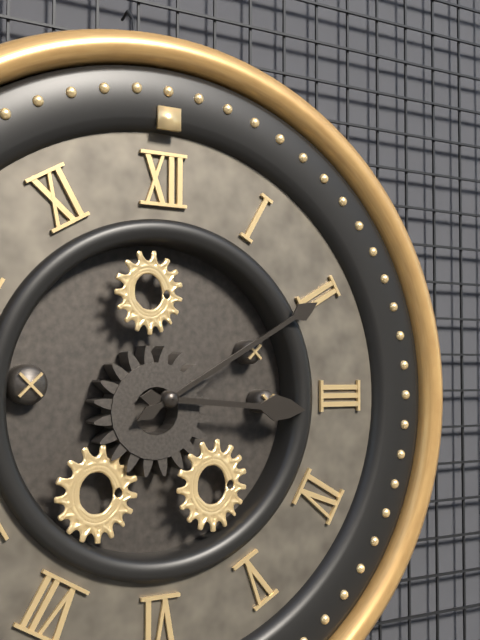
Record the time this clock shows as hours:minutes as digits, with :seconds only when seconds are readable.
3:10
